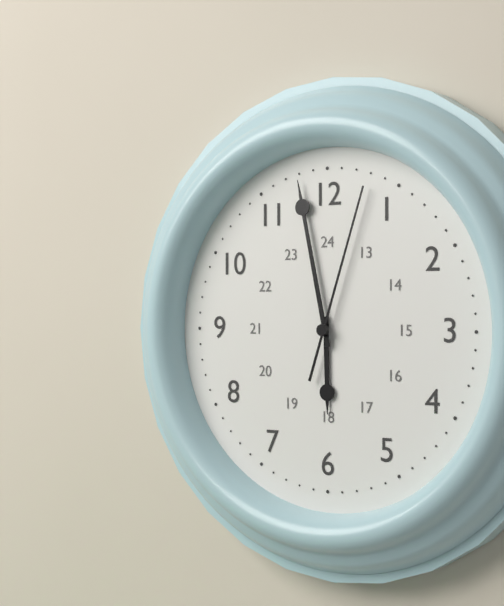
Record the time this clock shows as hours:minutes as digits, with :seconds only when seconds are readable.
5:58:03
